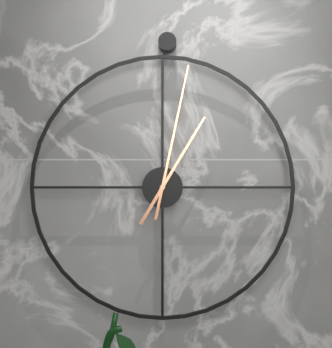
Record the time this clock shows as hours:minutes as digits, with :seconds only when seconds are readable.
1:02
